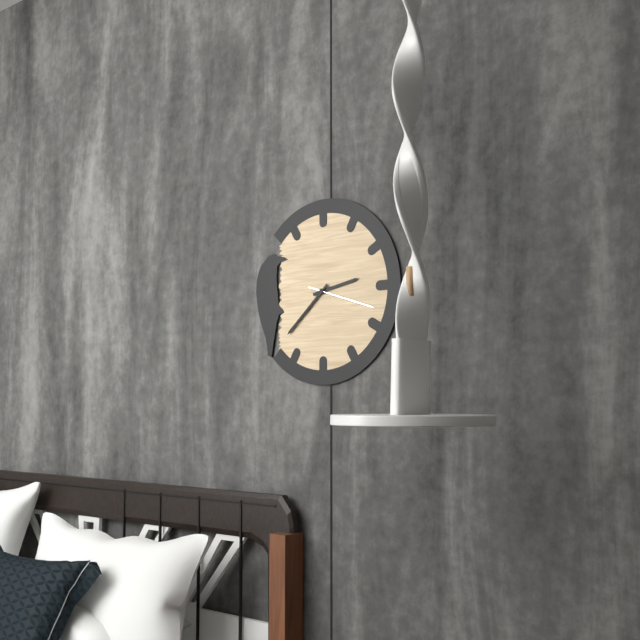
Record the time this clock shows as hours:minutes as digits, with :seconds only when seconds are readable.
2:38:18
